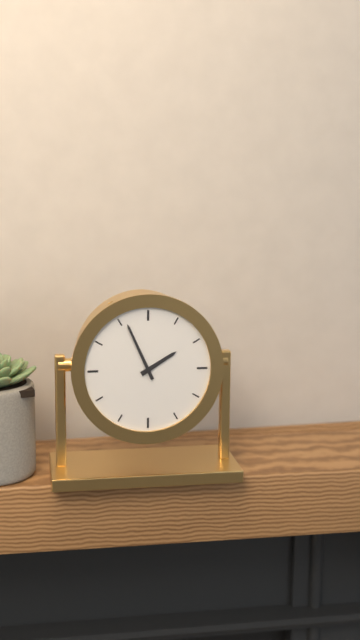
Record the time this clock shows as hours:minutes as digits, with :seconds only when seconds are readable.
1:56
